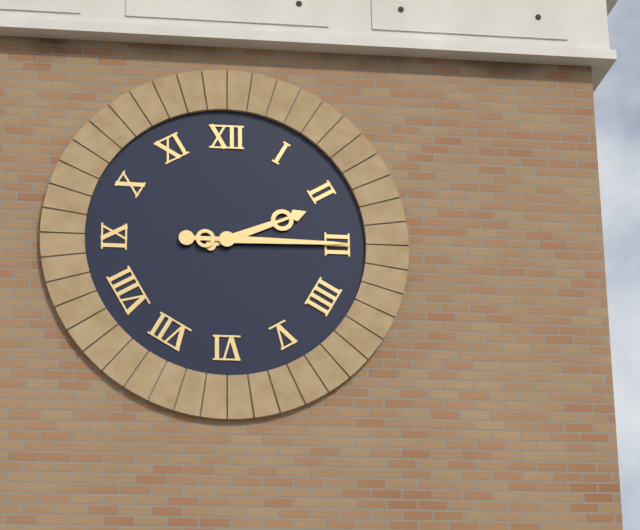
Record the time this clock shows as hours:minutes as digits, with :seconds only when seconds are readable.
2:15
